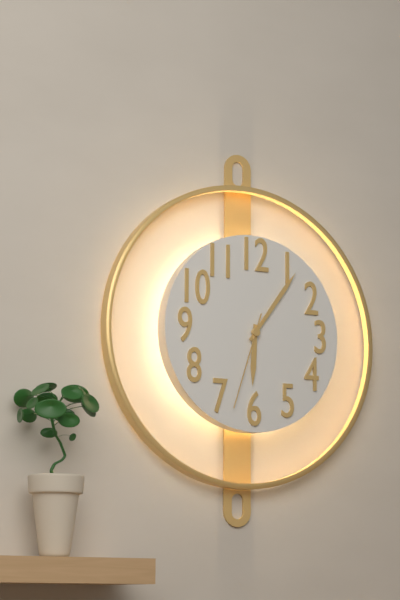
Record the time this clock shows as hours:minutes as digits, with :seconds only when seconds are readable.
6:06:33
